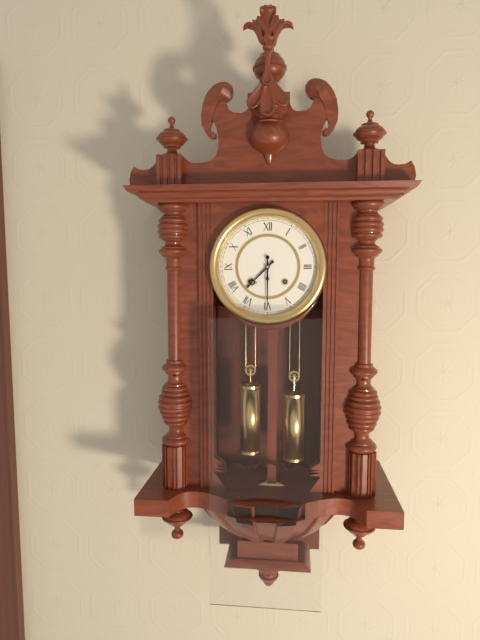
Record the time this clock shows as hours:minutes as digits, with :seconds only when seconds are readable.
7:30
